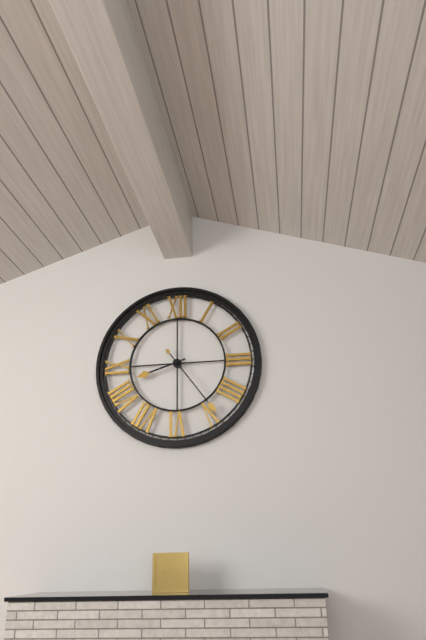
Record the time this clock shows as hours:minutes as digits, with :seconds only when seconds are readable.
8:24
